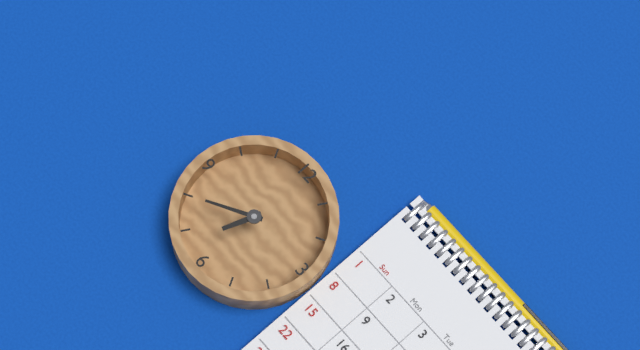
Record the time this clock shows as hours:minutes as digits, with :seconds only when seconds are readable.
6:40
